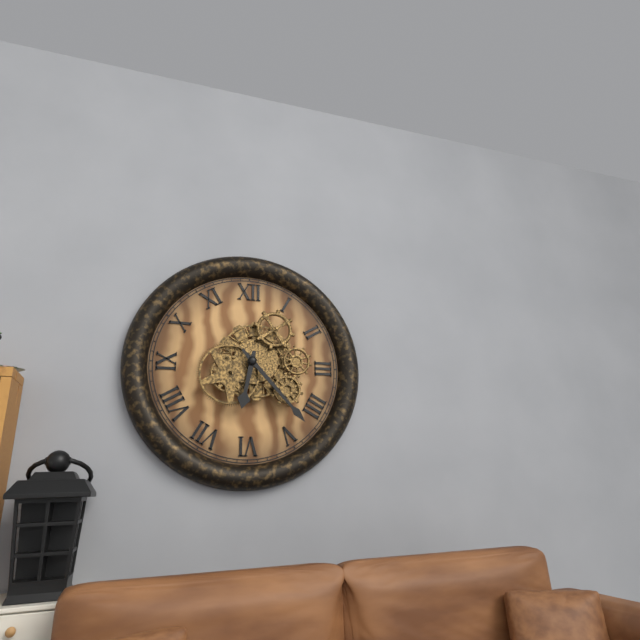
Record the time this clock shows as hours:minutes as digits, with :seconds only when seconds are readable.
6:23
